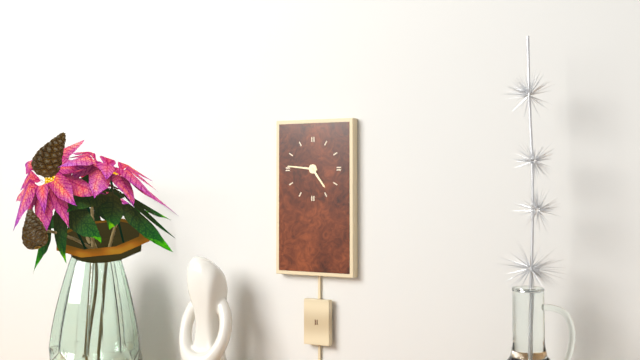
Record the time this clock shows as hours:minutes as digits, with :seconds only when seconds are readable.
4:46
